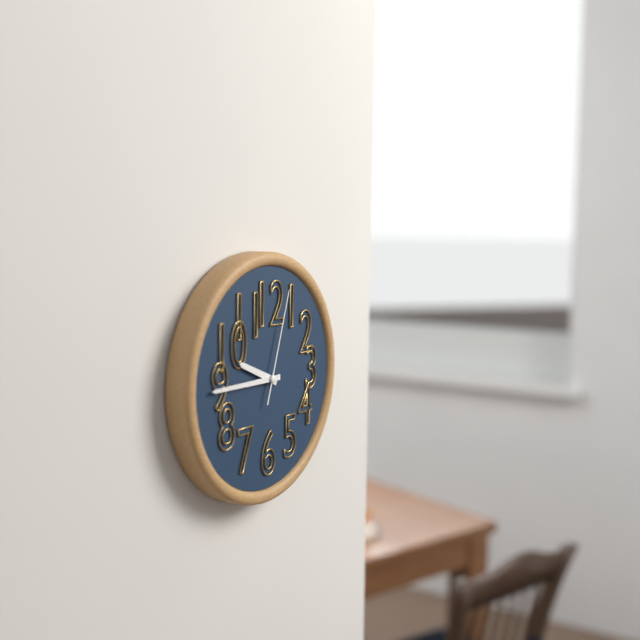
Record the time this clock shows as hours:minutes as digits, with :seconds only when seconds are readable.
9:45:03
